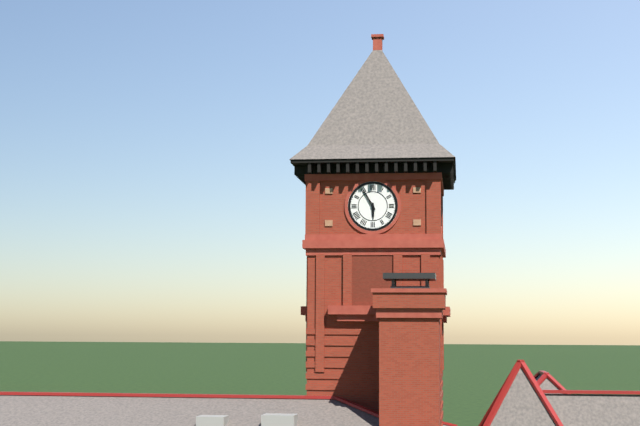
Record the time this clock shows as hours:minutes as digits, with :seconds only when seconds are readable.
5:55
